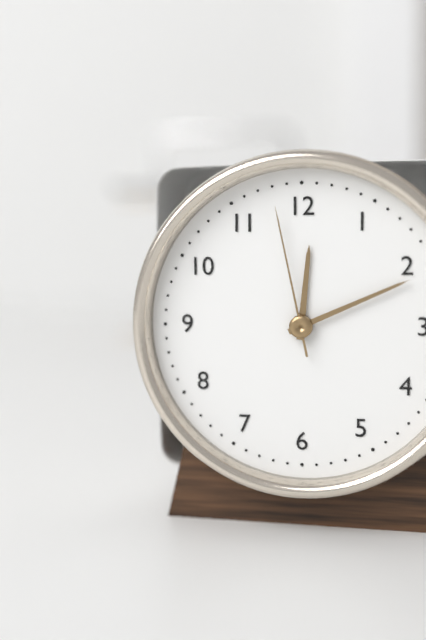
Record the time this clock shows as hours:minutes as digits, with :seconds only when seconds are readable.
12:11:58
